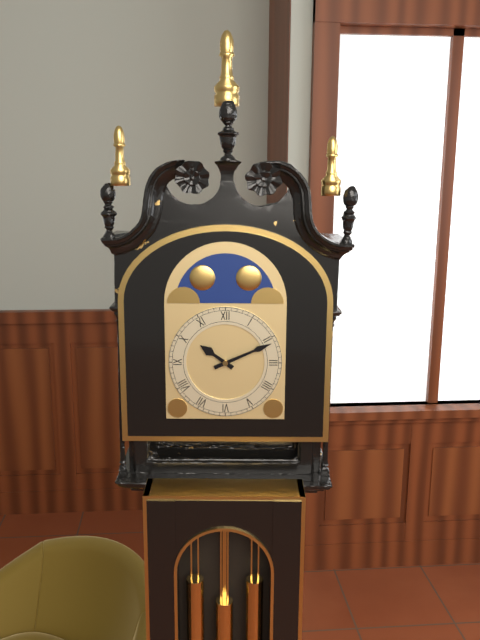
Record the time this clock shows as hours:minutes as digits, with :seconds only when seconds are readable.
10:11
